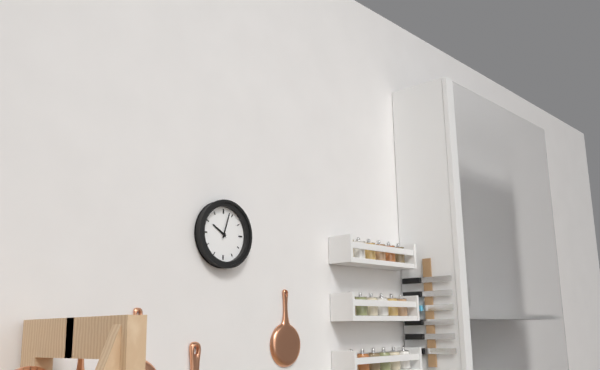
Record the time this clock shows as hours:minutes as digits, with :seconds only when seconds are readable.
10:03
